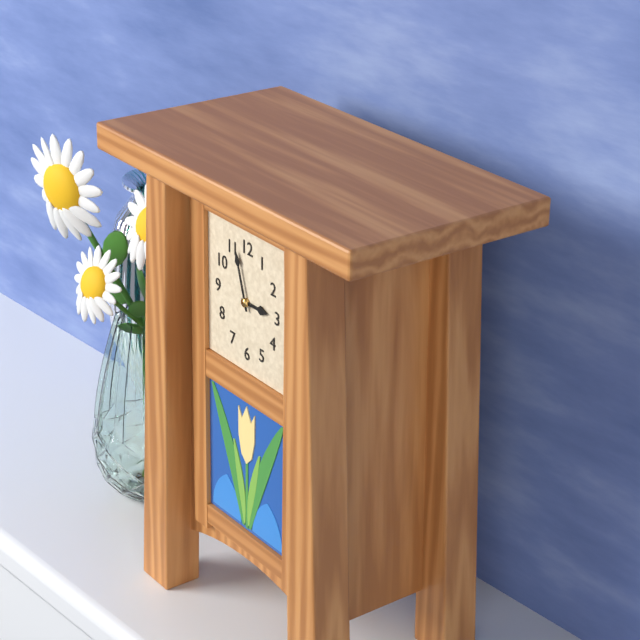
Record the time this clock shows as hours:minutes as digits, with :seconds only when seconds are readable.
2:57
